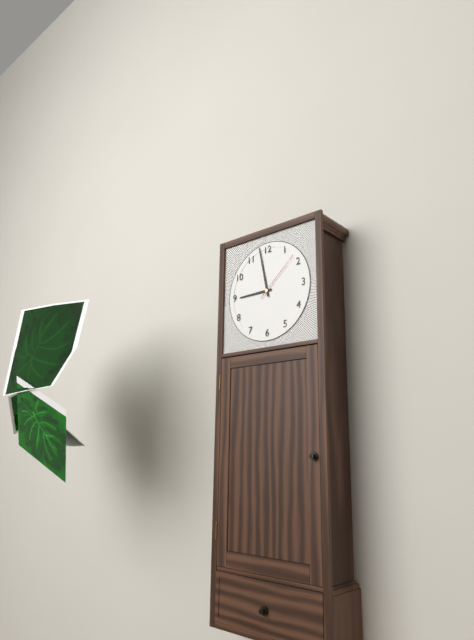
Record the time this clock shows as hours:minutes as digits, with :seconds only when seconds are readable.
8:58:08
